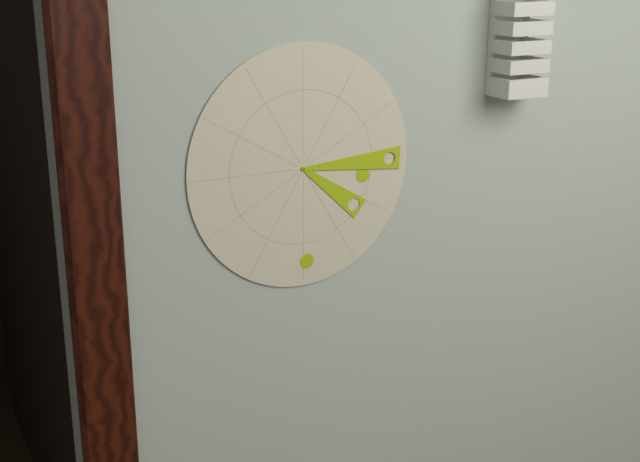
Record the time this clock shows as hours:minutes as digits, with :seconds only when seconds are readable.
4:15
